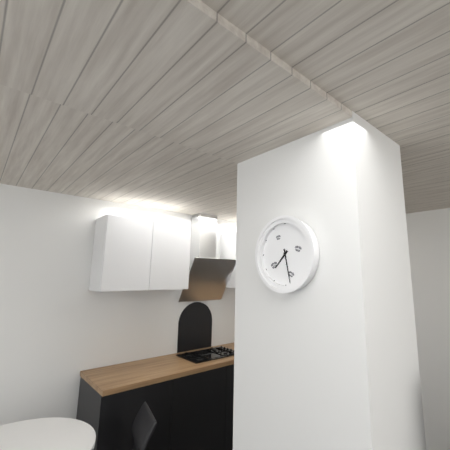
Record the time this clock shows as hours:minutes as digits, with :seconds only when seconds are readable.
7:28
